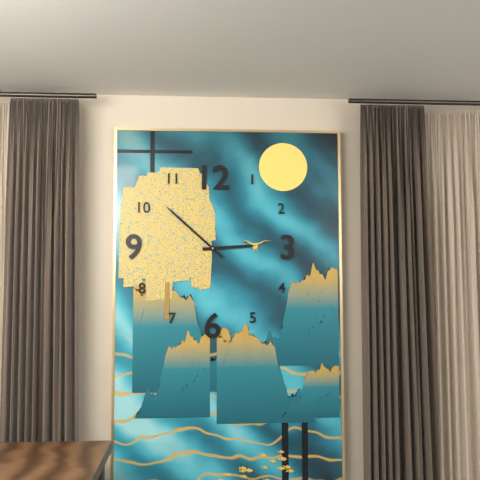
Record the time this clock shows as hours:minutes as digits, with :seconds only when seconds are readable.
2:52
